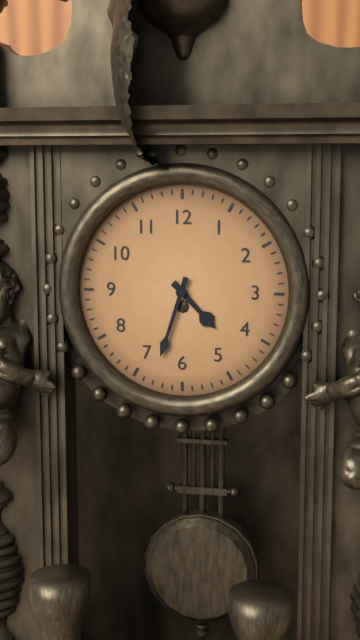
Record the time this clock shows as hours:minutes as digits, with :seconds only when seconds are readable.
4:33
